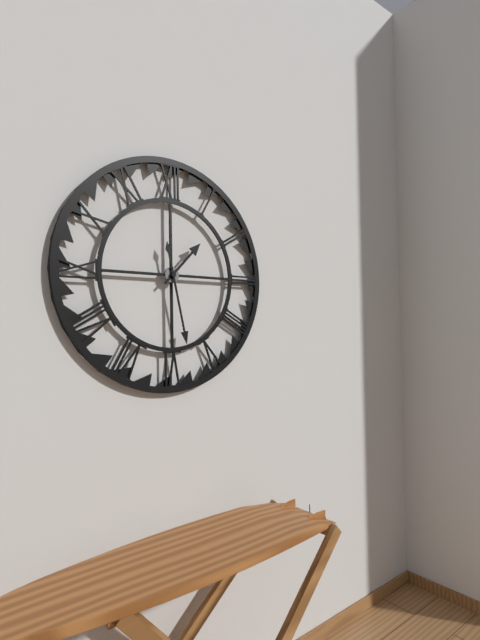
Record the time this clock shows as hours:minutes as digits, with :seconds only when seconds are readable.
1:28
